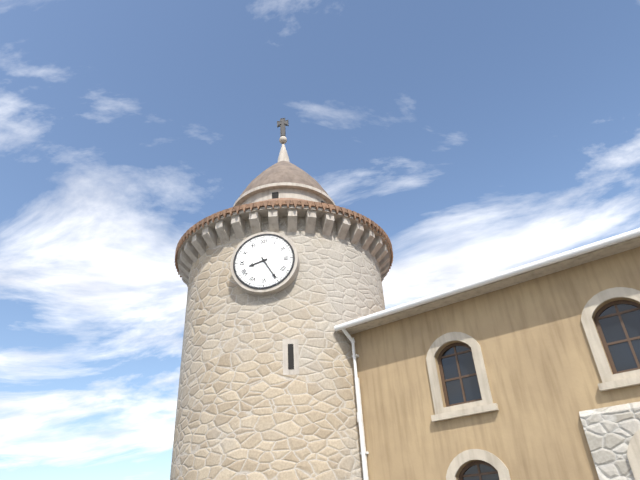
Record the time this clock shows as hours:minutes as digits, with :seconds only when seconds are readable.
8:25
